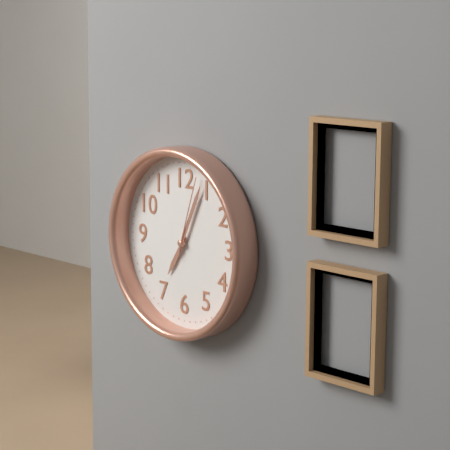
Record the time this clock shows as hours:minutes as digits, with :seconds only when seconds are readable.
7:04:03
